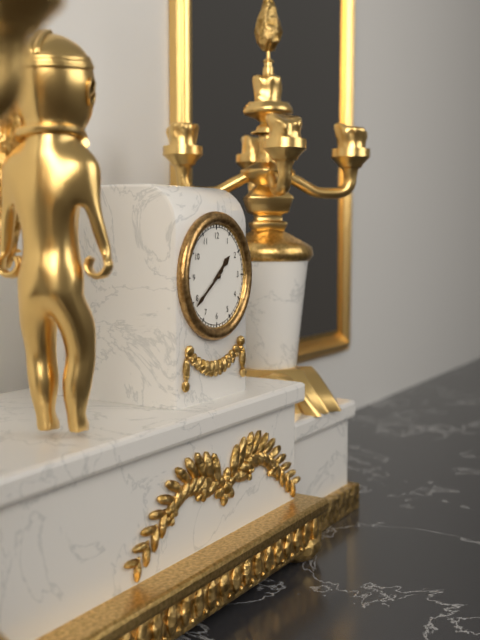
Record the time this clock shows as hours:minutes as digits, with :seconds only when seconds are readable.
1:39
